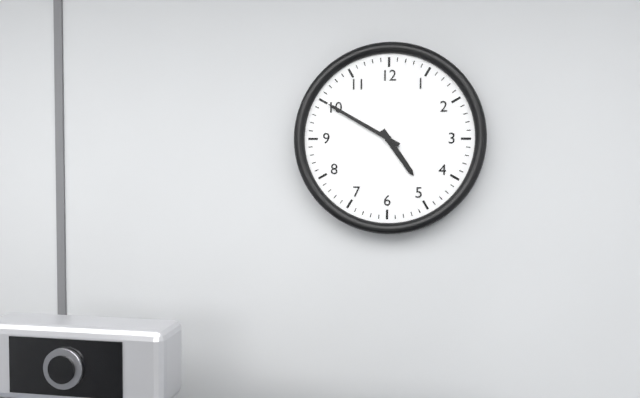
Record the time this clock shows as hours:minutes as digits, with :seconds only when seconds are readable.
4:50
